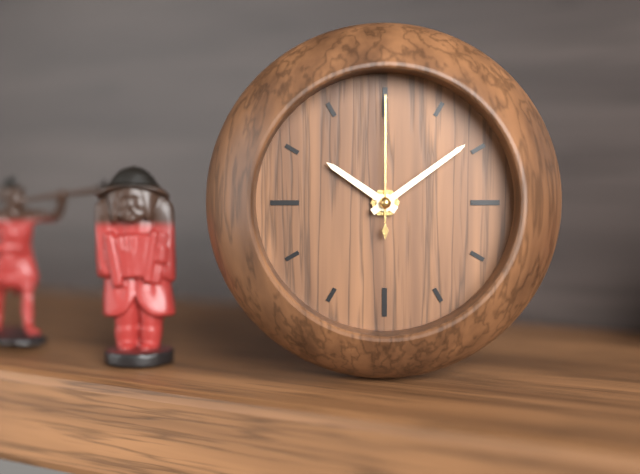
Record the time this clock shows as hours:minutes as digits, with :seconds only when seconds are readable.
10:09:00
